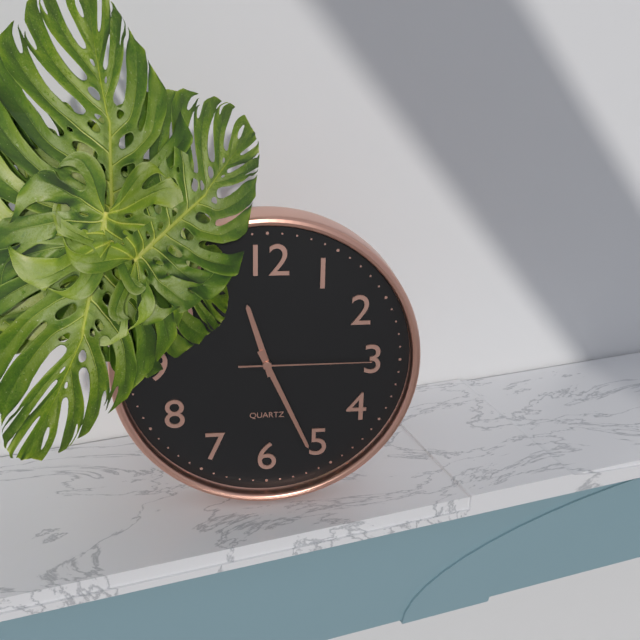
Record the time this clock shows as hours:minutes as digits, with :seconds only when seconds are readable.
11:26:15
